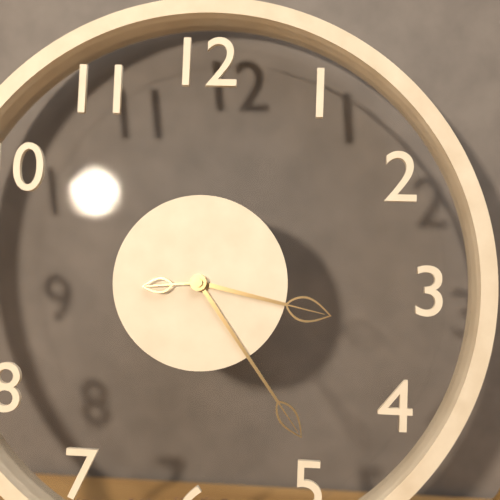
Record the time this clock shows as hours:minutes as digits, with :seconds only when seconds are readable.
3:24:44
